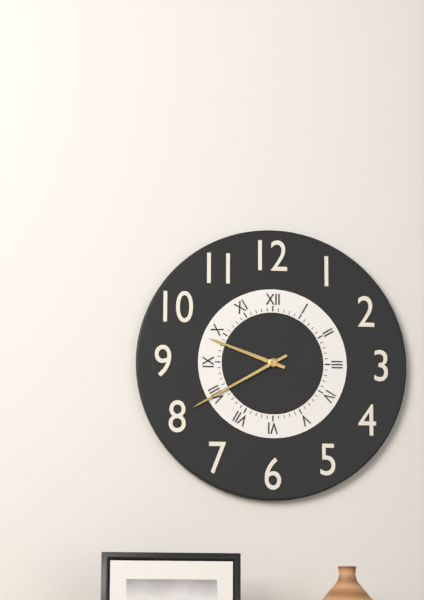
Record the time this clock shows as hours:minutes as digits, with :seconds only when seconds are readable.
9:40
